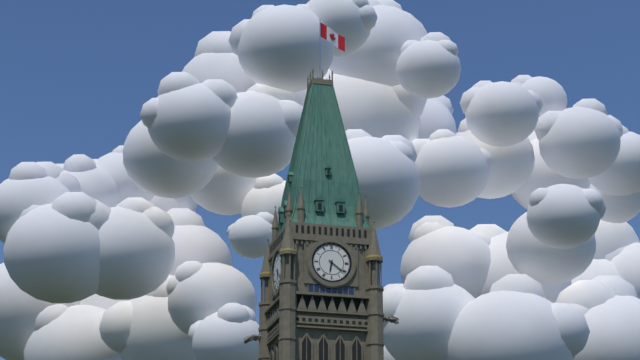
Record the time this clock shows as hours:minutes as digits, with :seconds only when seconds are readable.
6:21
